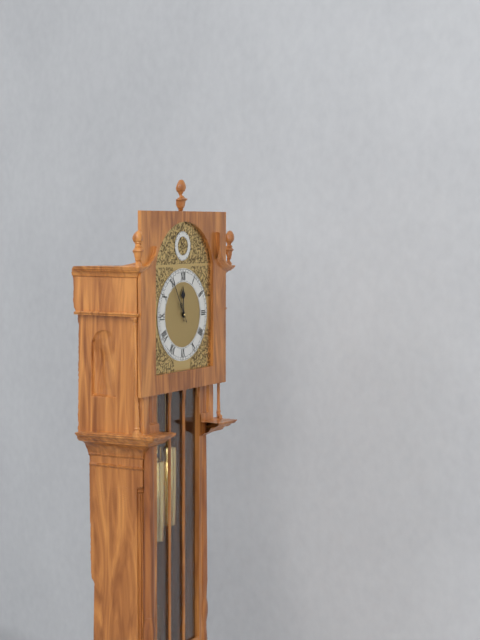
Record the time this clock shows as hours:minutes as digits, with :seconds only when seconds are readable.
11:55
